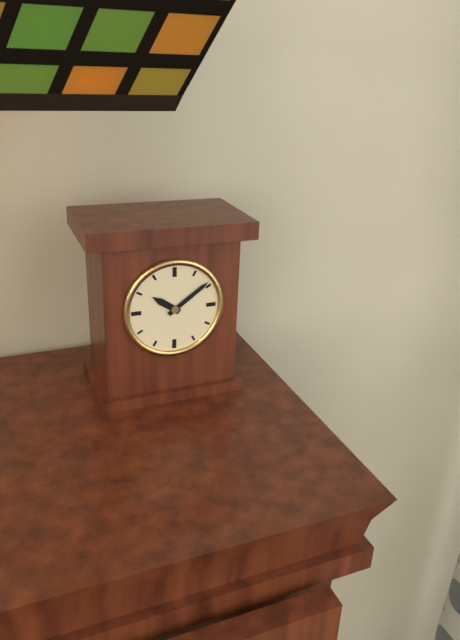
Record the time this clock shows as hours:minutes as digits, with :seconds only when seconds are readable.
10:09
